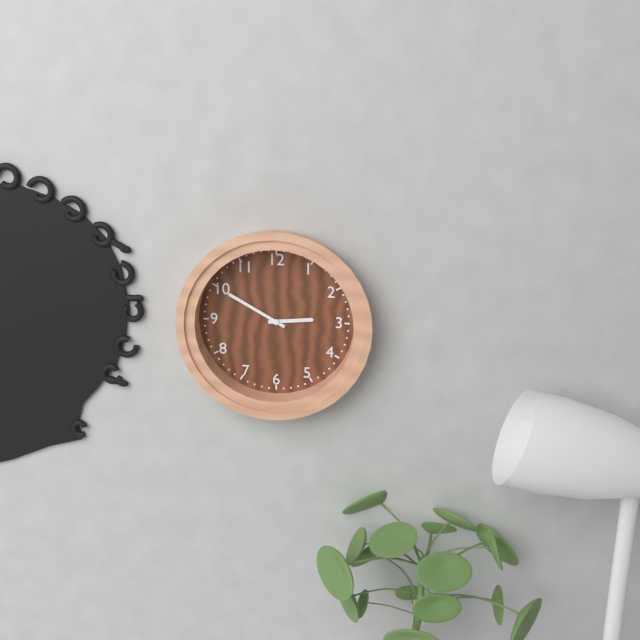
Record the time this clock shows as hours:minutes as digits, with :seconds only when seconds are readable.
2:50
